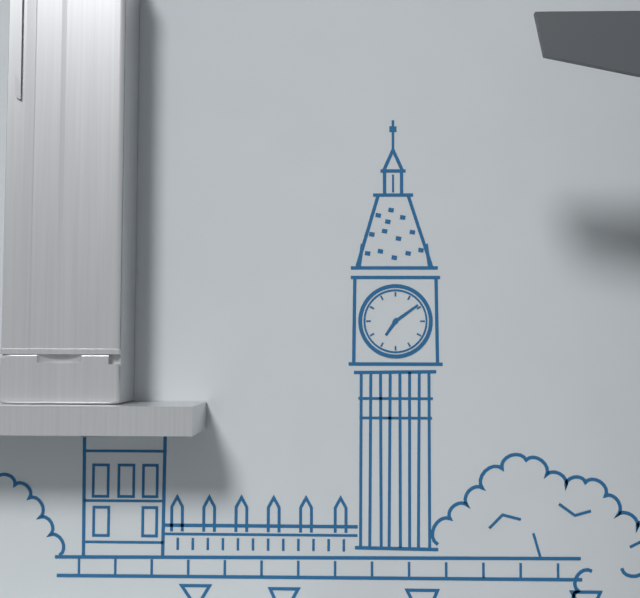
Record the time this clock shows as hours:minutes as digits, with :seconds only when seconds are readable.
7:09
